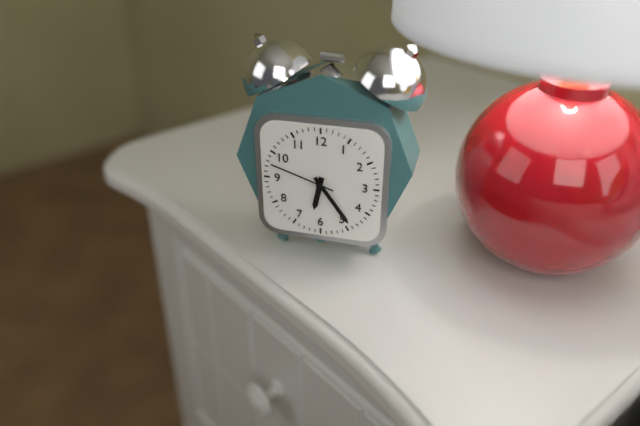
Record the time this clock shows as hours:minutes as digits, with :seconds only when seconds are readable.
6:24:48
